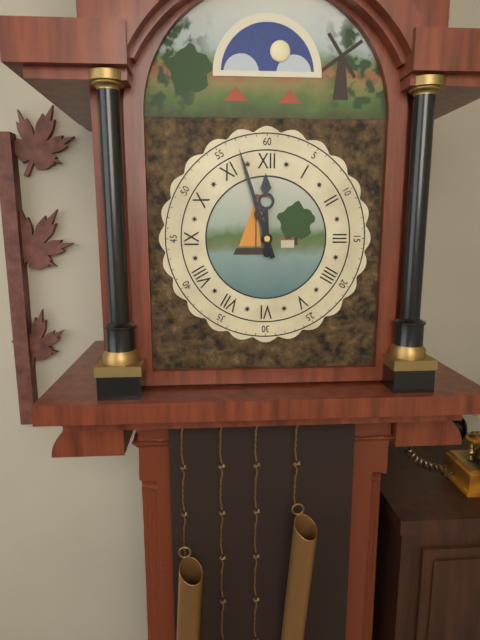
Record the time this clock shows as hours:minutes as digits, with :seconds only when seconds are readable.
11:57
